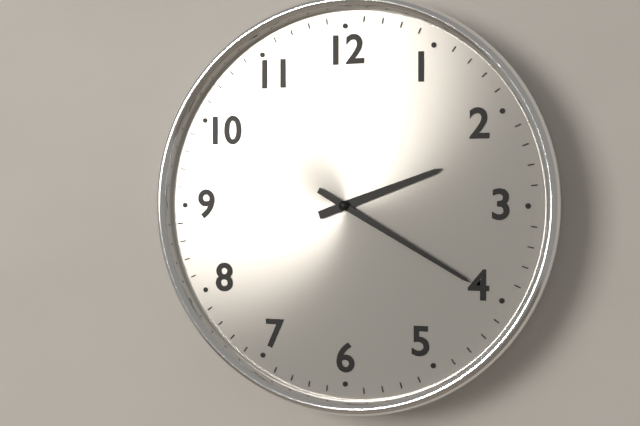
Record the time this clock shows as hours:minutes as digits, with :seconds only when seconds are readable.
2:20
